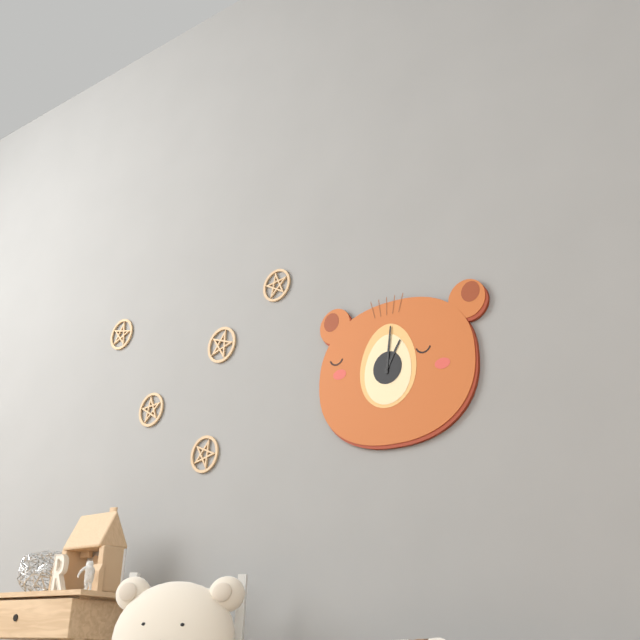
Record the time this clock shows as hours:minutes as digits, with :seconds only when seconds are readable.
1:01
